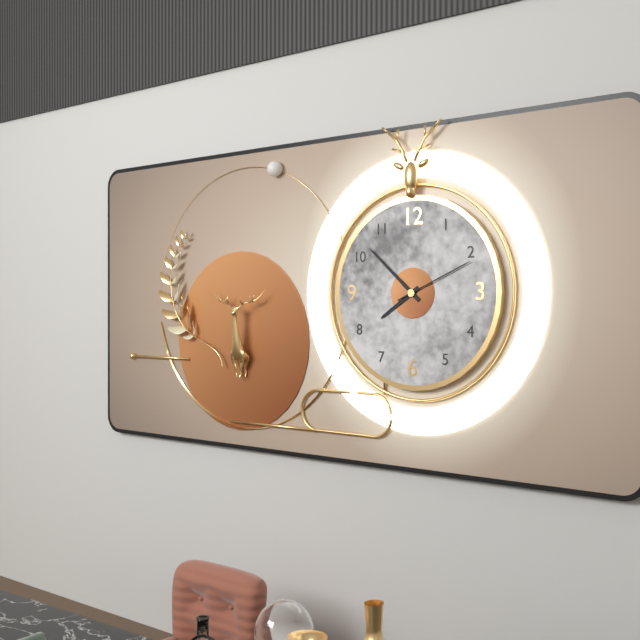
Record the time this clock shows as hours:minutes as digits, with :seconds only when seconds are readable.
7:52:11
